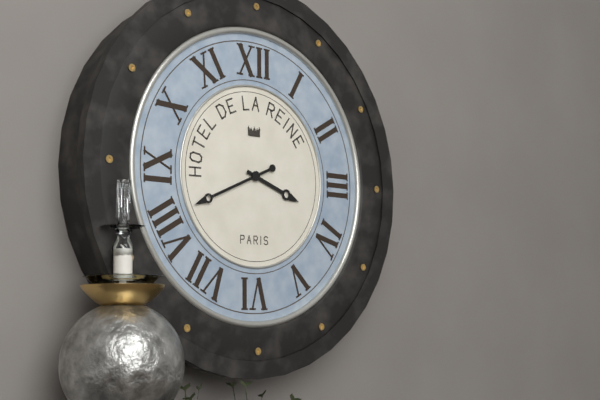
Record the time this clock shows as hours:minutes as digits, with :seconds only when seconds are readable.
3:41
